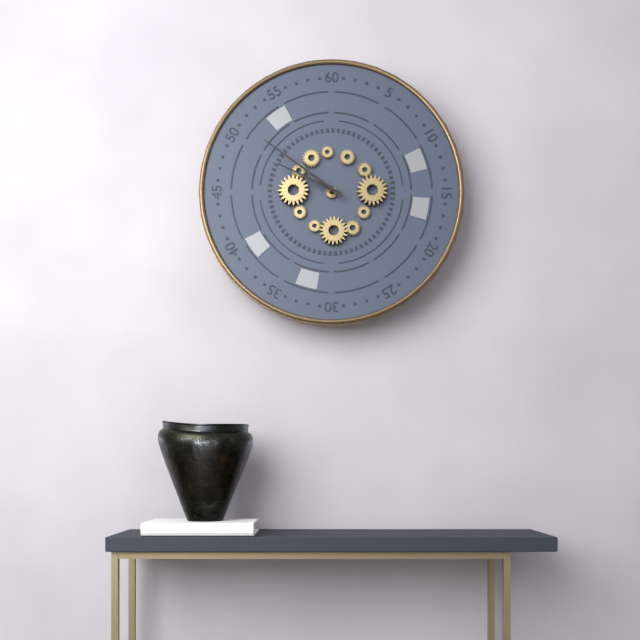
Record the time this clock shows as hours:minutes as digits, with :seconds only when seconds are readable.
9:51
